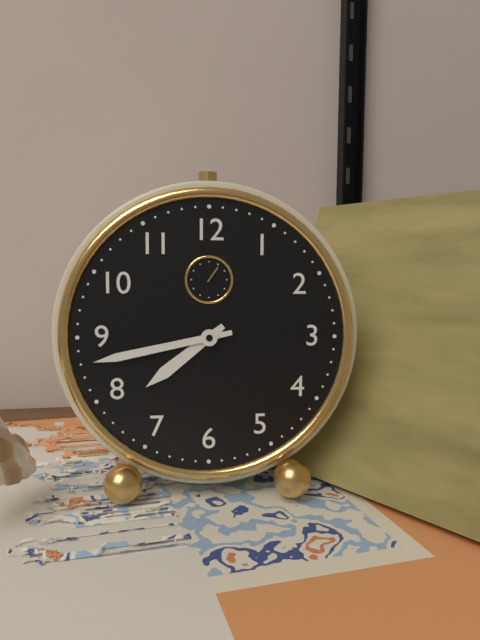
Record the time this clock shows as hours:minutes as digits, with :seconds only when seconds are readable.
7:43
